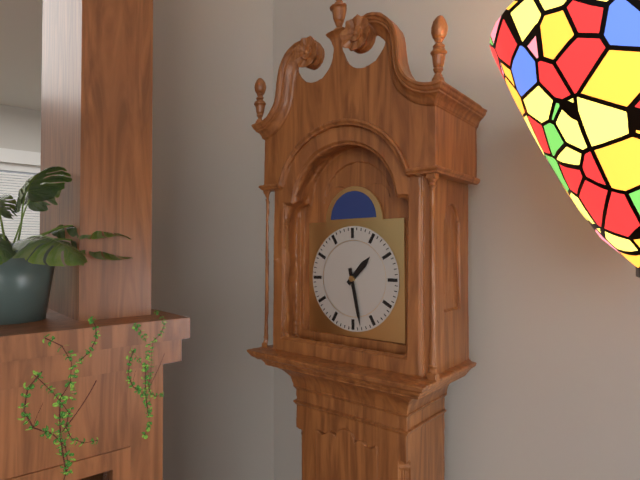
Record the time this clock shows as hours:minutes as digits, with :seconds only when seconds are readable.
1:28
